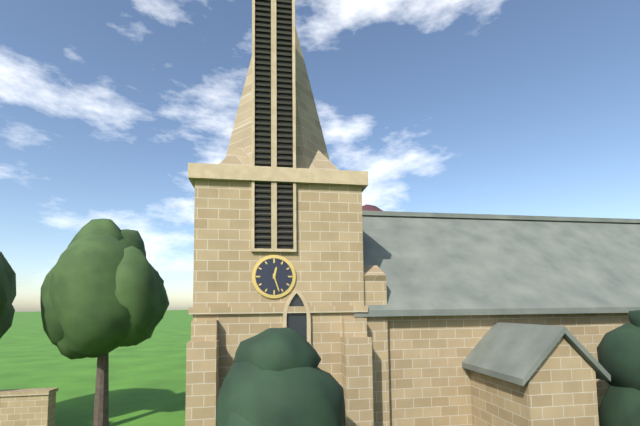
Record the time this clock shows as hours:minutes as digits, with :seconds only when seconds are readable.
12:27
